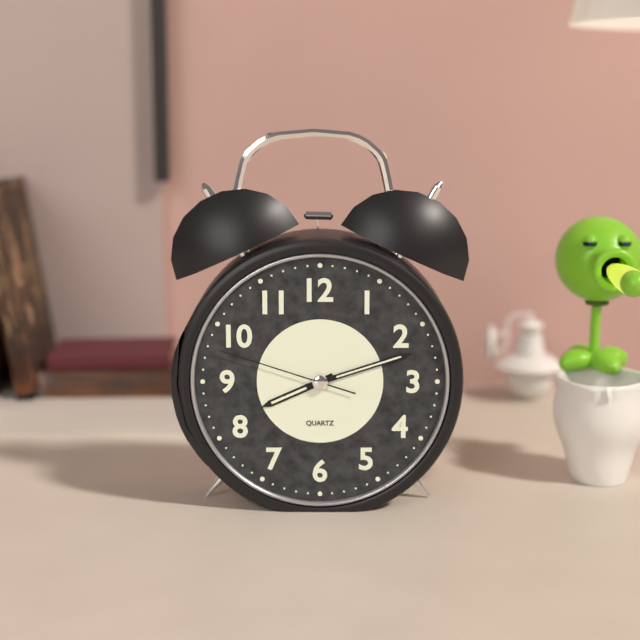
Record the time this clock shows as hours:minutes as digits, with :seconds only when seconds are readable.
8:12:48
